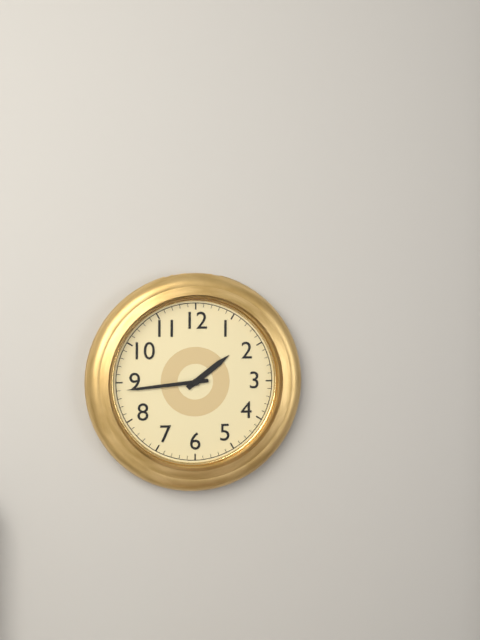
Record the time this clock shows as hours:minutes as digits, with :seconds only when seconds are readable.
1:44
